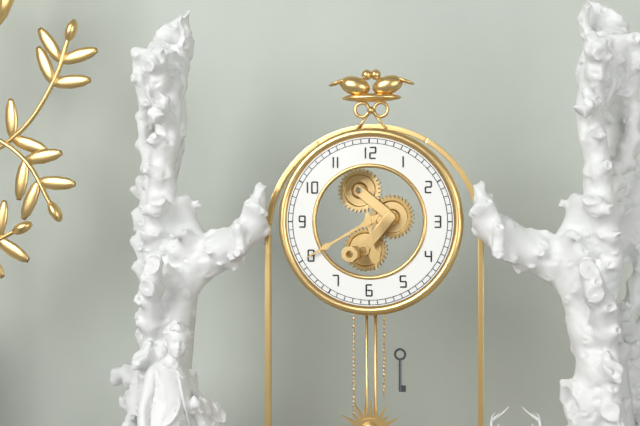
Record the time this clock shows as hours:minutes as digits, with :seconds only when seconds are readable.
5:40
